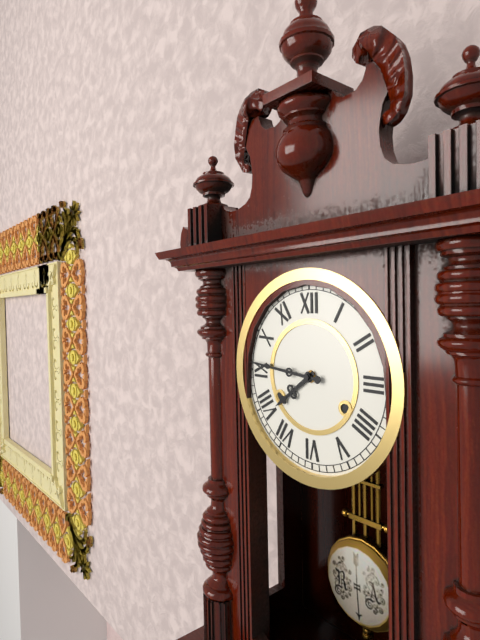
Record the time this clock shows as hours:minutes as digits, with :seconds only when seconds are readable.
7:46
